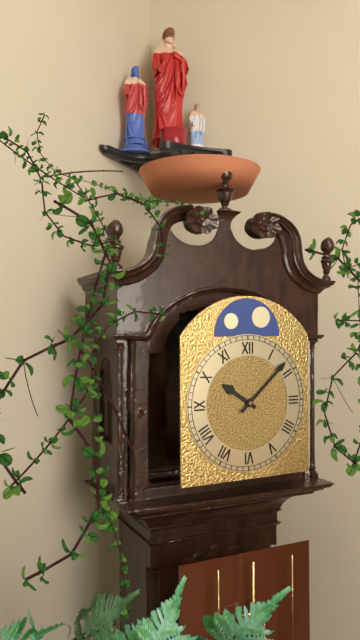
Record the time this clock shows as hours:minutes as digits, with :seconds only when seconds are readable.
10:08
